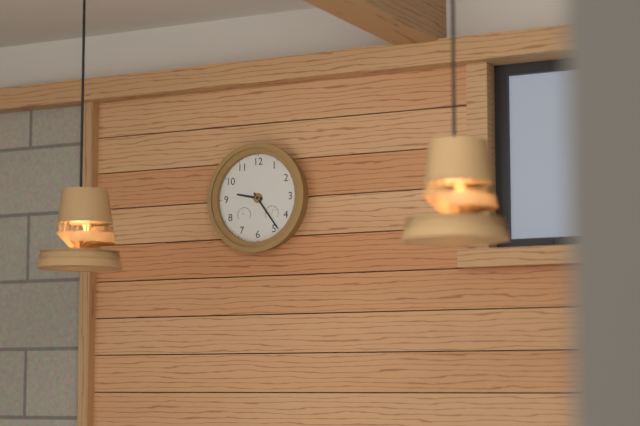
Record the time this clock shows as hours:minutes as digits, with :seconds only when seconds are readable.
9:24
